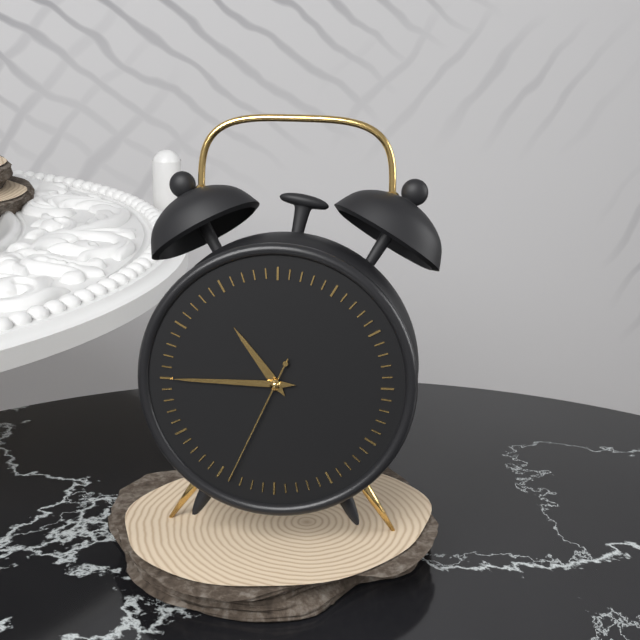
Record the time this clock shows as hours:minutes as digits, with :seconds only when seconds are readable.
10:45:34
